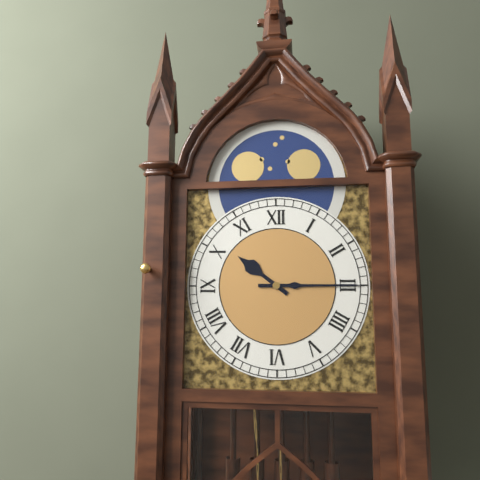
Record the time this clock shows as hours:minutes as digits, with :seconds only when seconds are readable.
10:15
